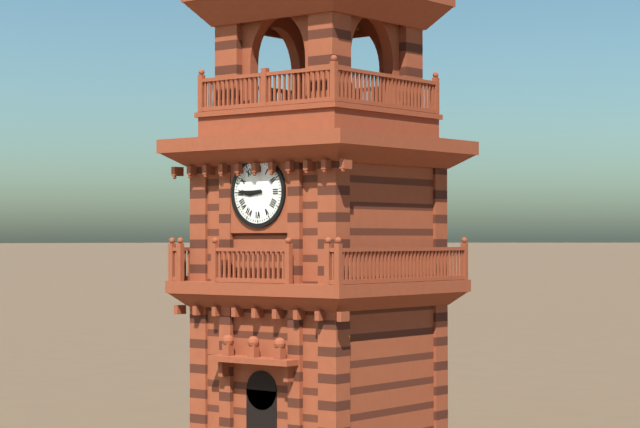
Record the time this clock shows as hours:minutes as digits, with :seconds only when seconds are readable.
8:45
